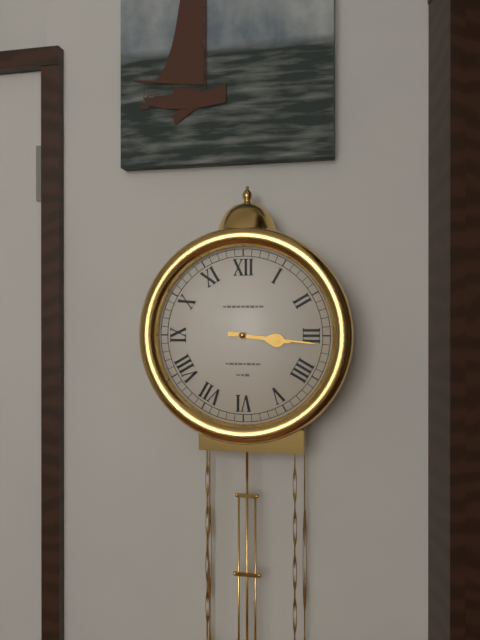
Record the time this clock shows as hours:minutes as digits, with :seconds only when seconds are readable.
3:16
